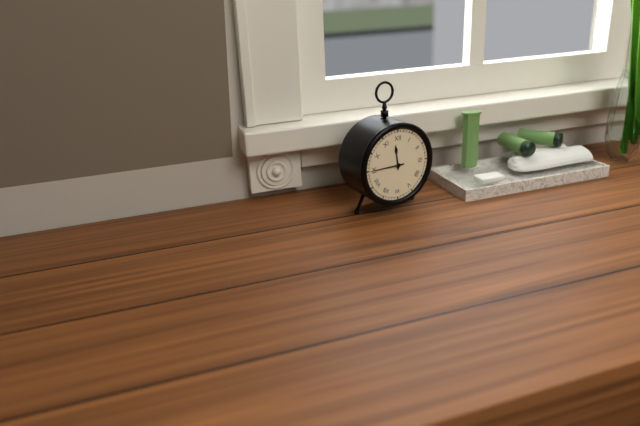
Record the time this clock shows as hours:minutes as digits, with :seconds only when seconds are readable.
11:45
